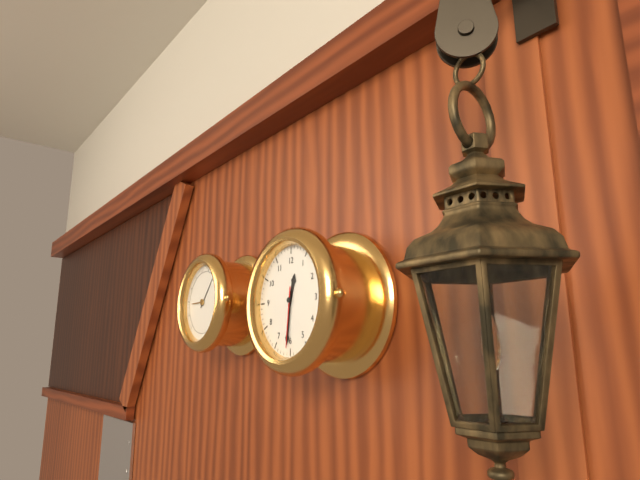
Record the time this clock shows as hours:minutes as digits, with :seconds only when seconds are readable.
12:31:31
